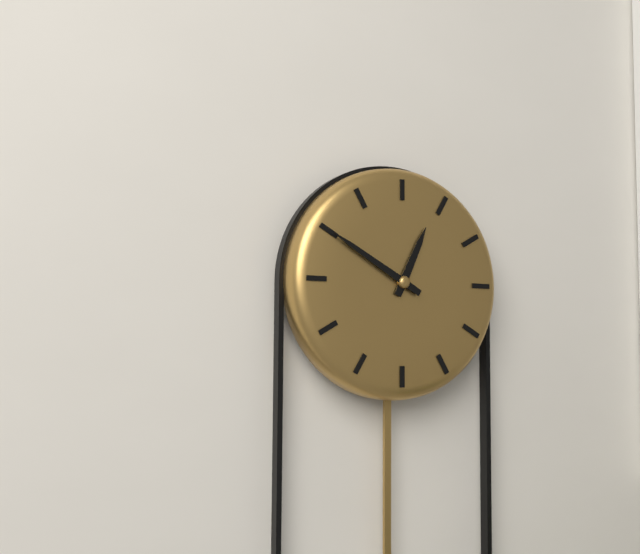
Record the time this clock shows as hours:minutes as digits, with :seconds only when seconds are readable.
12:50
